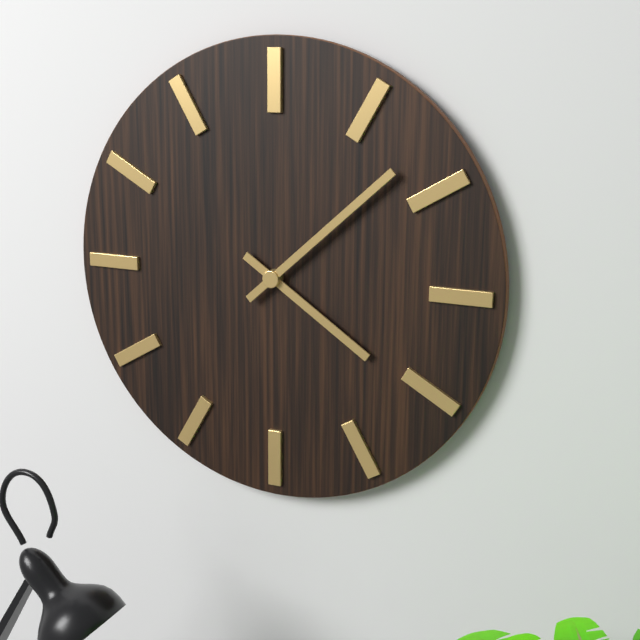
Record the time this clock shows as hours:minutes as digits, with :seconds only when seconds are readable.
4:08
